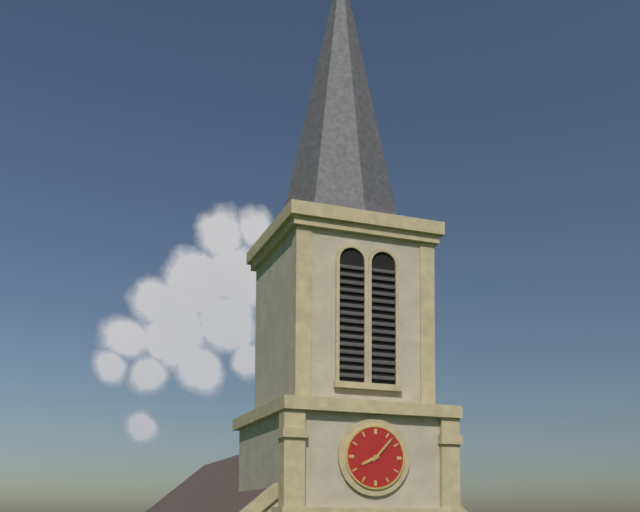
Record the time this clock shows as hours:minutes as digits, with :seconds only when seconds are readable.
8:07
